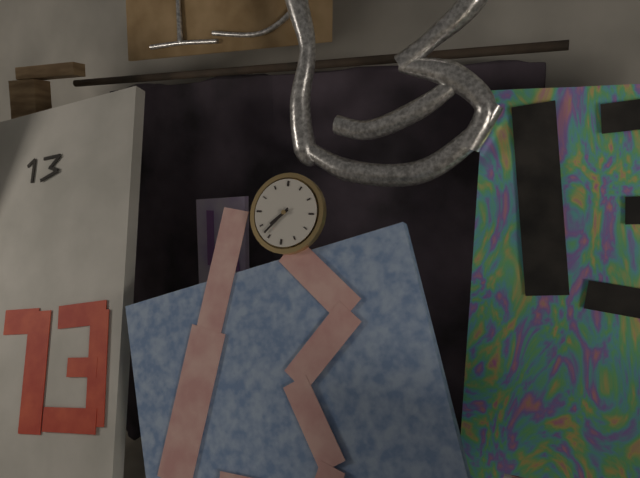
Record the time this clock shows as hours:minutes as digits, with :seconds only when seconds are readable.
7:37
